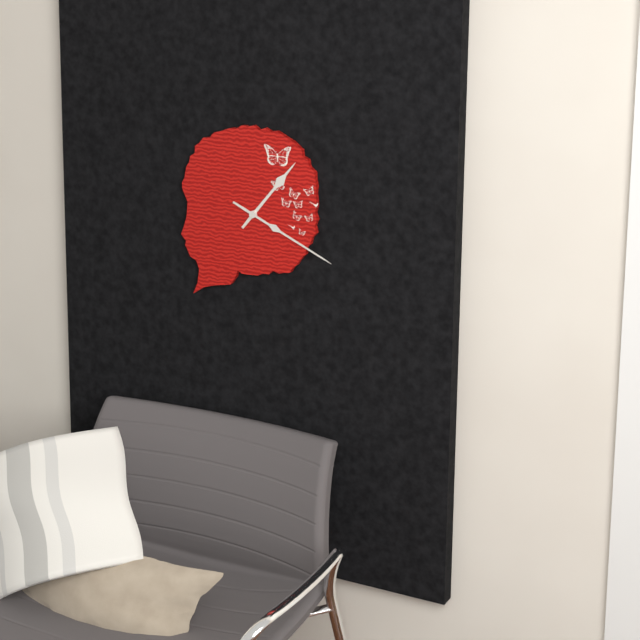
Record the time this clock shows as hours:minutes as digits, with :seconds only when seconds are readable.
1:19
